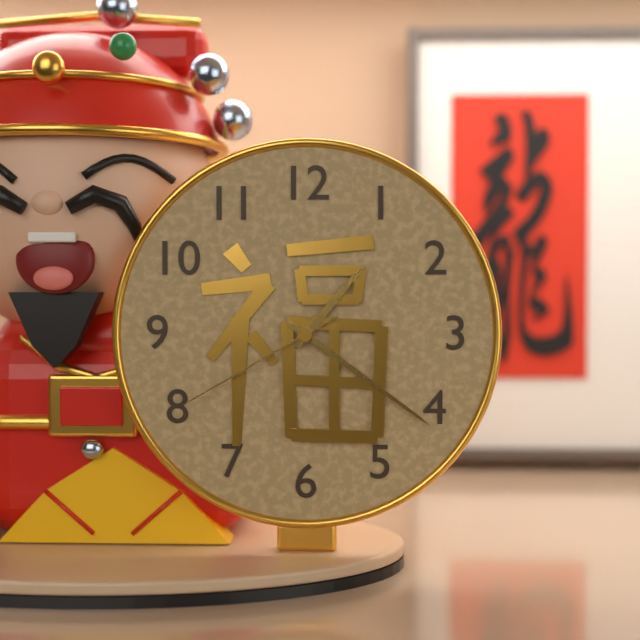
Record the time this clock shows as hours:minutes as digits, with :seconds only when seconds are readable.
1:21:40
